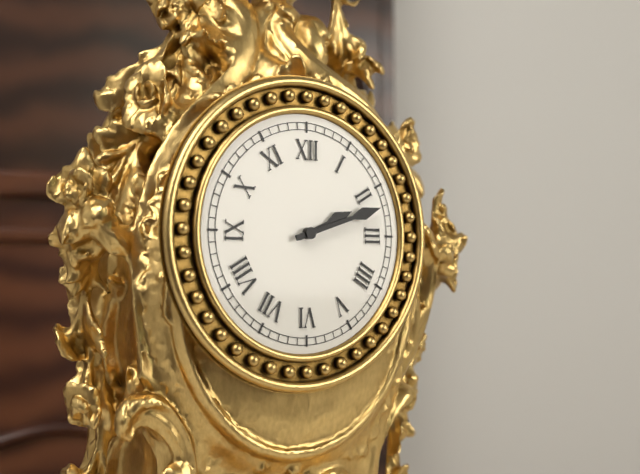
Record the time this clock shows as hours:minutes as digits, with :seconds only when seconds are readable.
2:12
